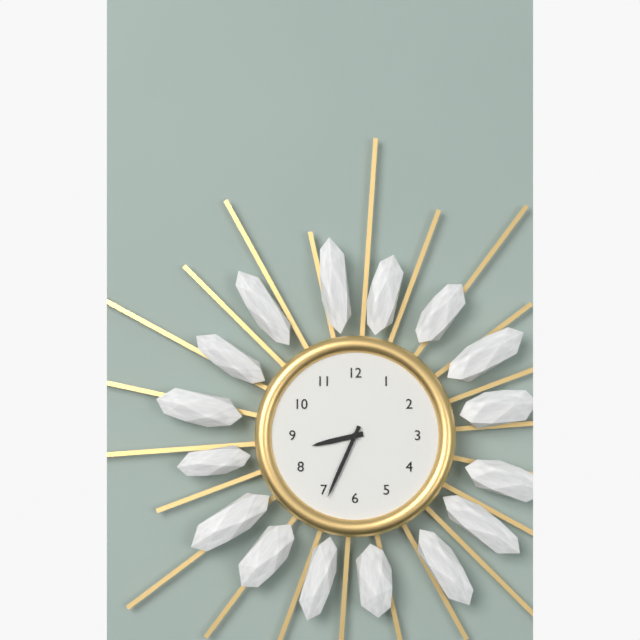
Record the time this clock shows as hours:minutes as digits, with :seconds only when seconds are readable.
8:34
